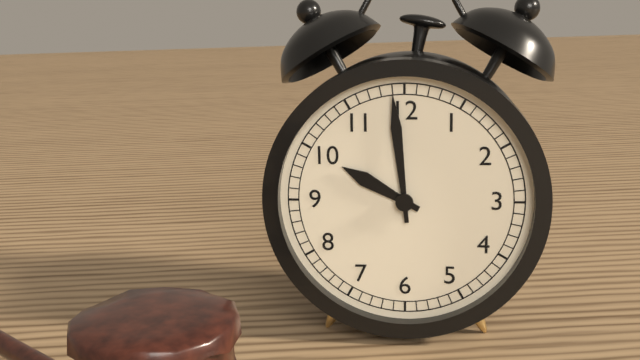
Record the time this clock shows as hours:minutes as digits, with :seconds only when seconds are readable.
9:59
